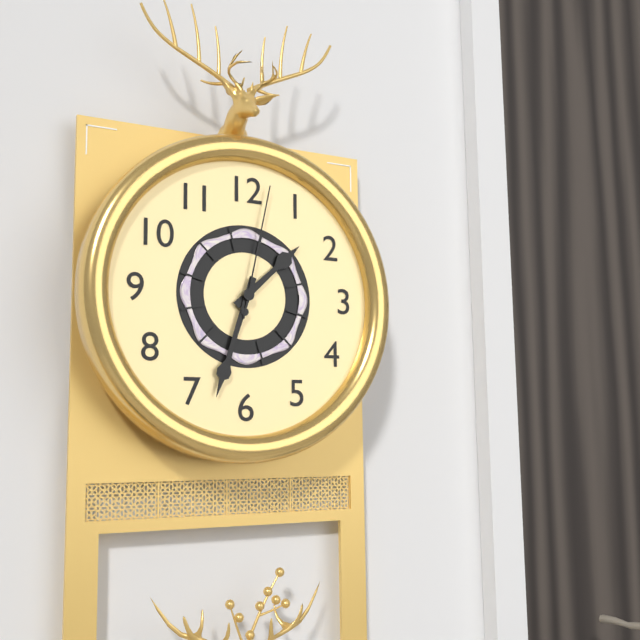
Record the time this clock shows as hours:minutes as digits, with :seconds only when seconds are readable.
1:33:02
